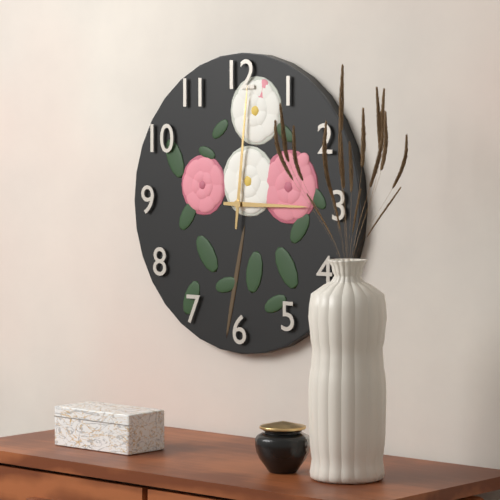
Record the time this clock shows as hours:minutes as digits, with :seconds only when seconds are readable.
3:01
